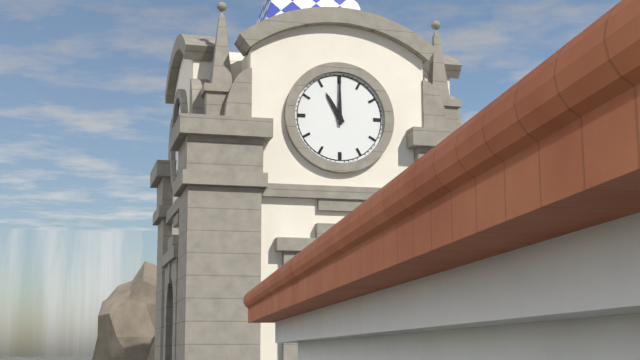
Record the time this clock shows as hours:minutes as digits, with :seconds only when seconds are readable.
11:00
